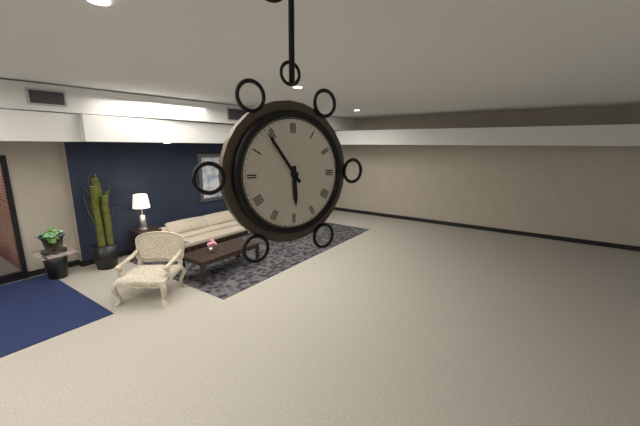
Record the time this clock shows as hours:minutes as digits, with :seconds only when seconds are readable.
5:54
